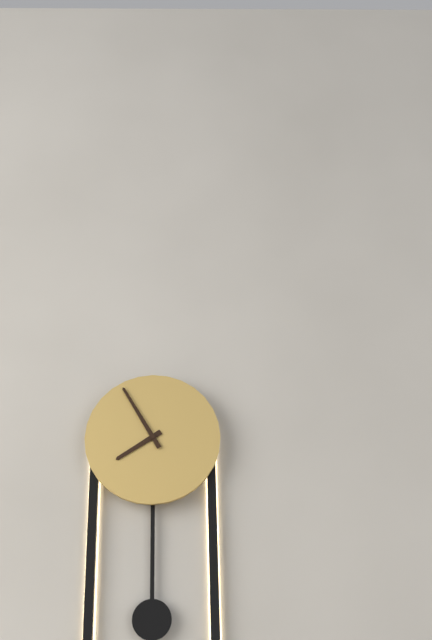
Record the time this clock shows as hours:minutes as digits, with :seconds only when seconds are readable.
7:55
